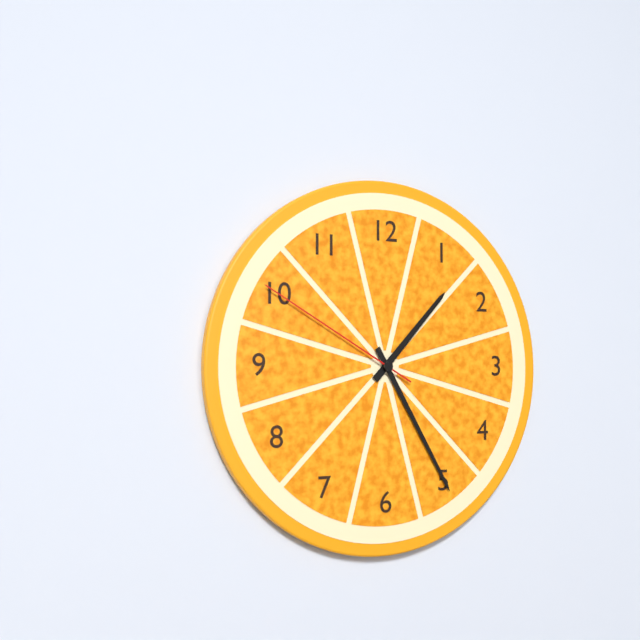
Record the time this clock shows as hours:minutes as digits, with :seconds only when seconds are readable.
1:25:50
